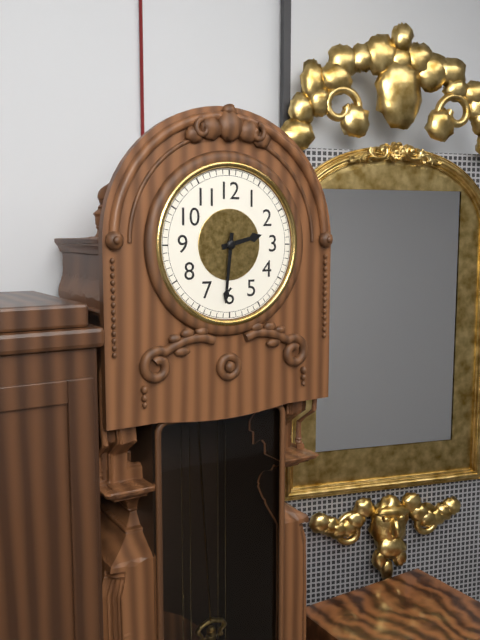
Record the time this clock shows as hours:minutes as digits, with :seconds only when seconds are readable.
2:31
